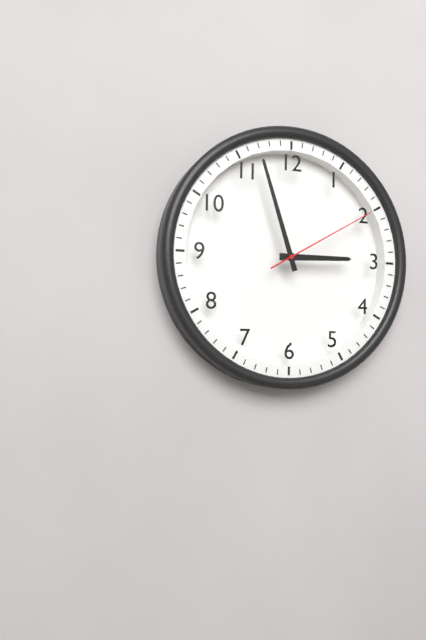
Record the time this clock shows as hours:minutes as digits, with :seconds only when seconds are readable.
2:57:10
